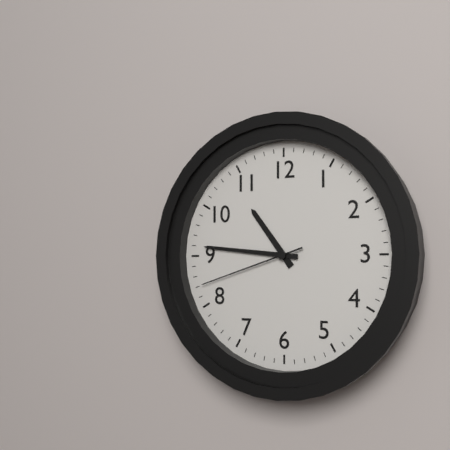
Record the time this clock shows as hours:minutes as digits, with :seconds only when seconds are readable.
10:46:42
